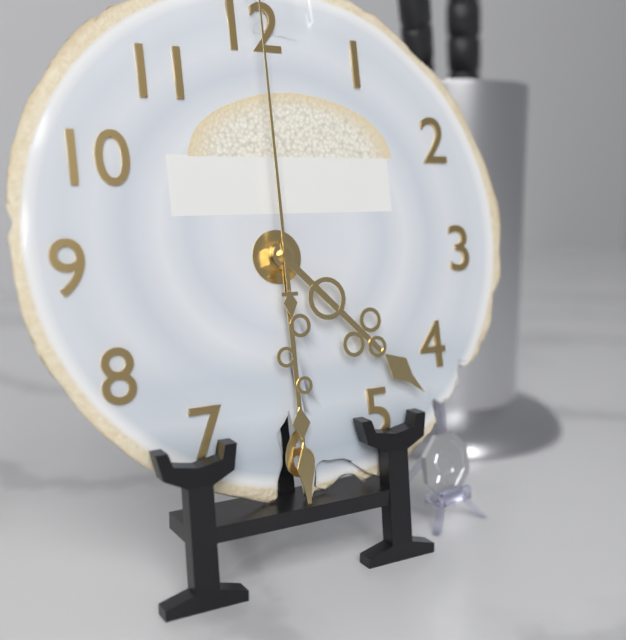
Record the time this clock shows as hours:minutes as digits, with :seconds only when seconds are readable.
4:30
